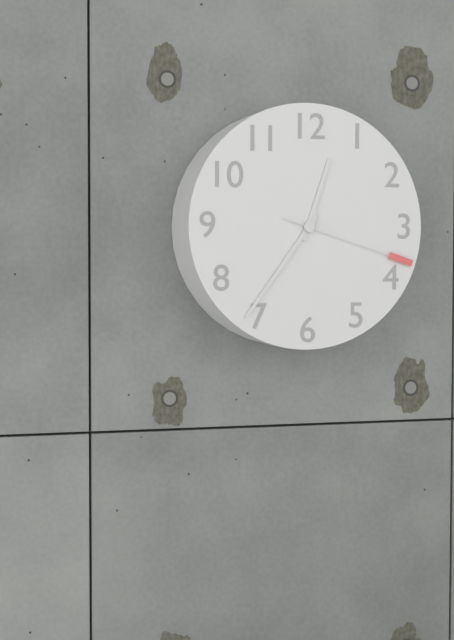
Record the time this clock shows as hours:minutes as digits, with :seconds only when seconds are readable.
12:36:18
